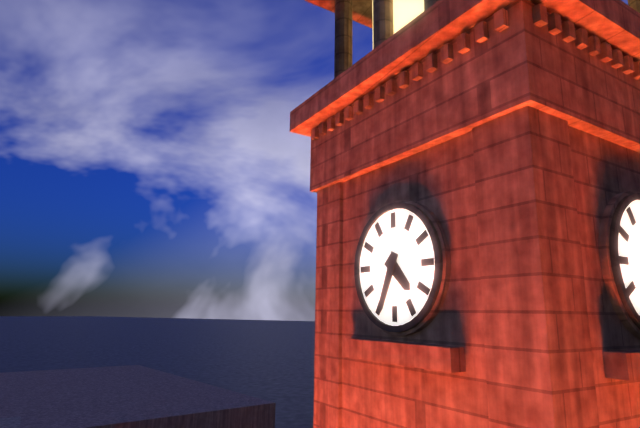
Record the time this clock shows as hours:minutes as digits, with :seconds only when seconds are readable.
4:34
